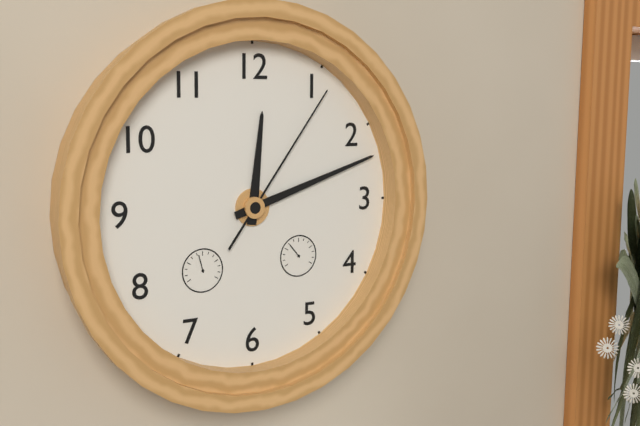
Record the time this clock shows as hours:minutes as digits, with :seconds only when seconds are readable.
12:12:06
